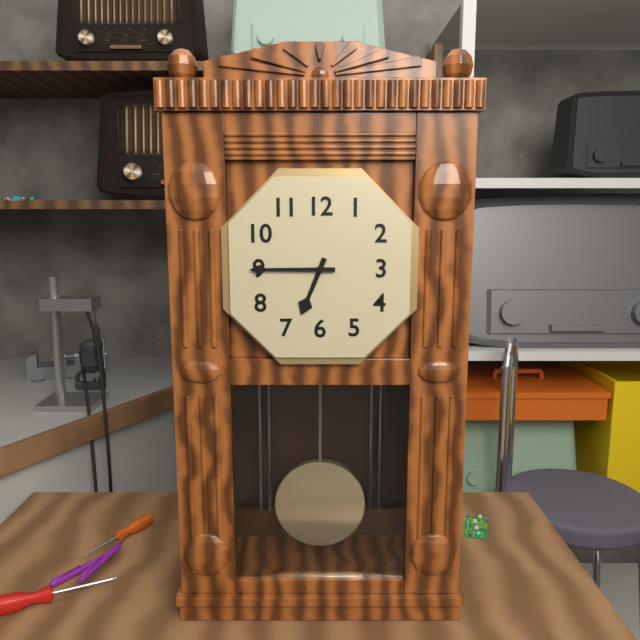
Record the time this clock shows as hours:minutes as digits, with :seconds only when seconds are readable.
6:45
